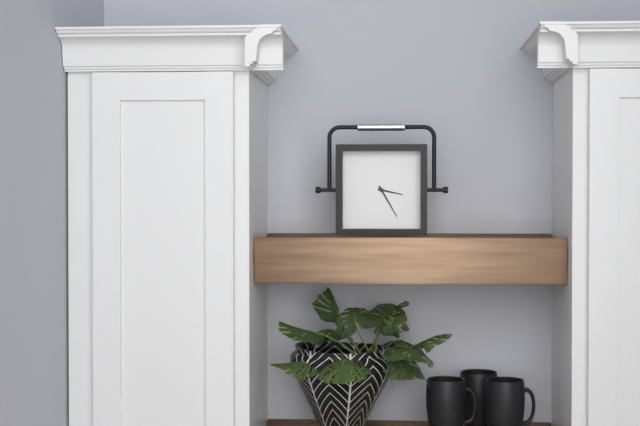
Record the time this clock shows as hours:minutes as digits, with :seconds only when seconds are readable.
3:25
